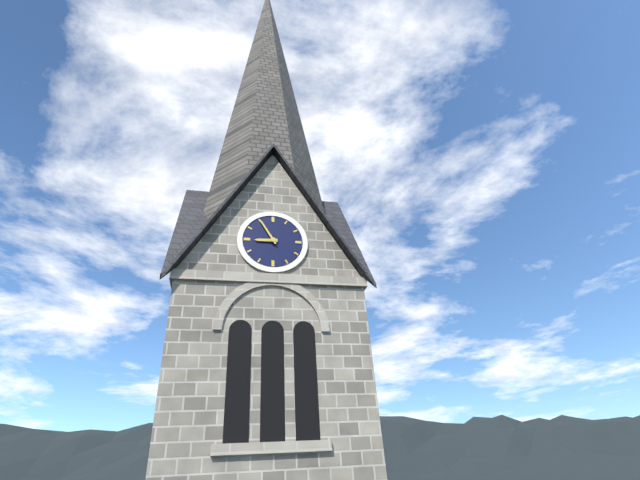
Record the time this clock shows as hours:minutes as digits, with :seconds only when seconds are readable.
8:55
